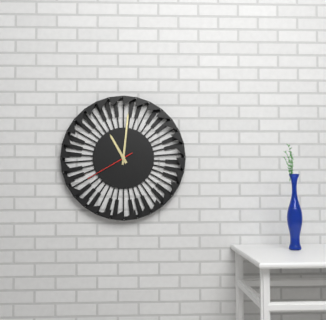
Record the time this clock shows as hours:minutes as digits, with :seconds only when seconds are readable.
11:01:40
